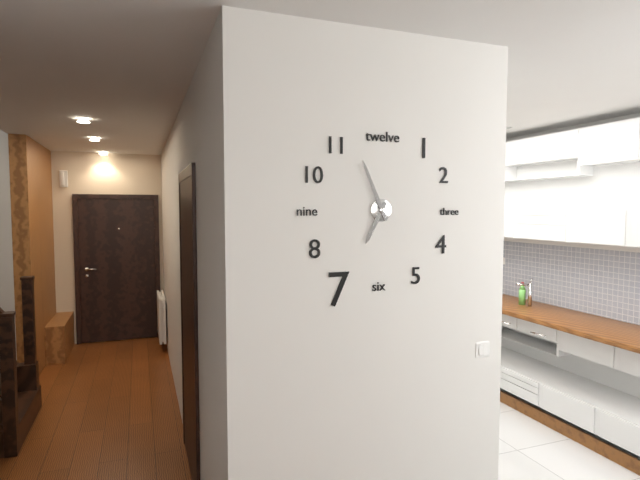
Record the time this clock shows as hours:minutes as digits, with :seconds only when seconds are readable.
6:56
